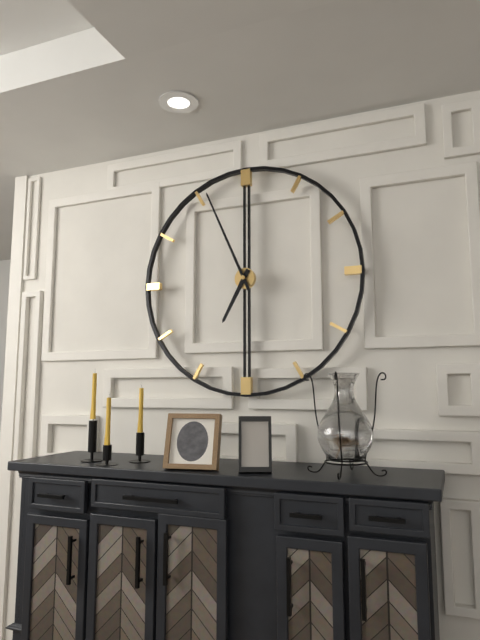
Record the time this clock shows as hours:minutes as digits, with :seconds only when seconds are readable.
6:56
